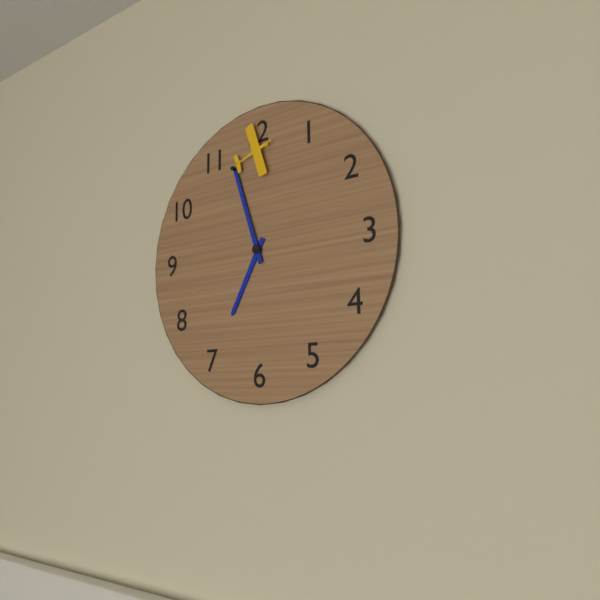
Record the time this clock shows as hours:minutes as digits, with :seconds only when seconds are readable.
6:57
